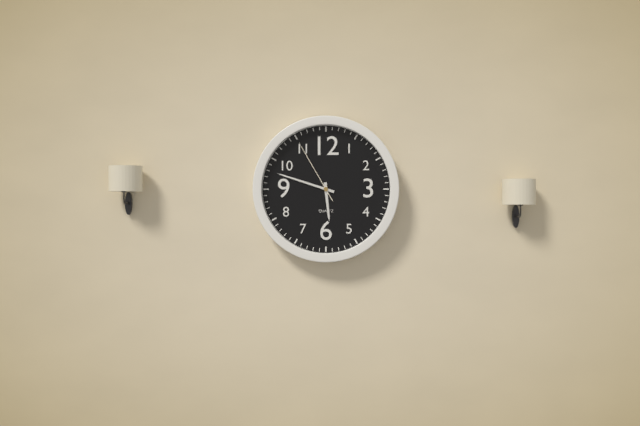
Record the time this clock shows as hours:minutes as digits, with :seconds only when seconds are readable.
5:48:55
